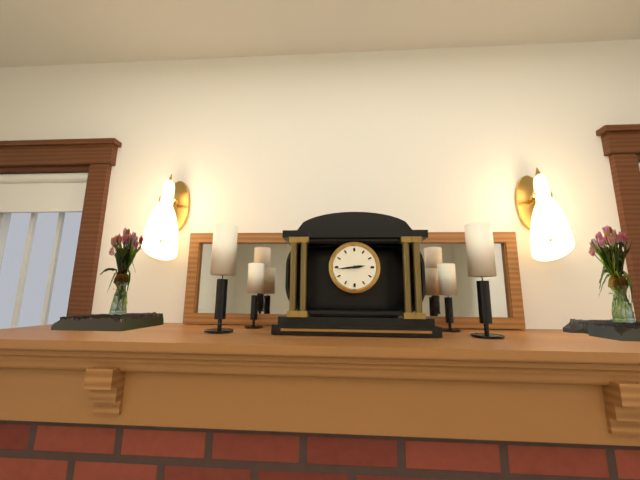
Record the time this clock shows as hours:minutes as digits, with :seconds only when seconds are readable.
2:44
